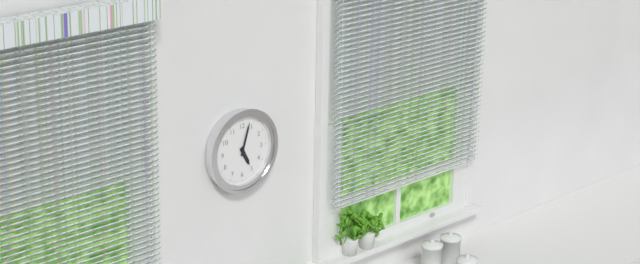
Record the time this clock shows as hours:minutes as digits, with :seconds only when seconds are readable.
5:03
